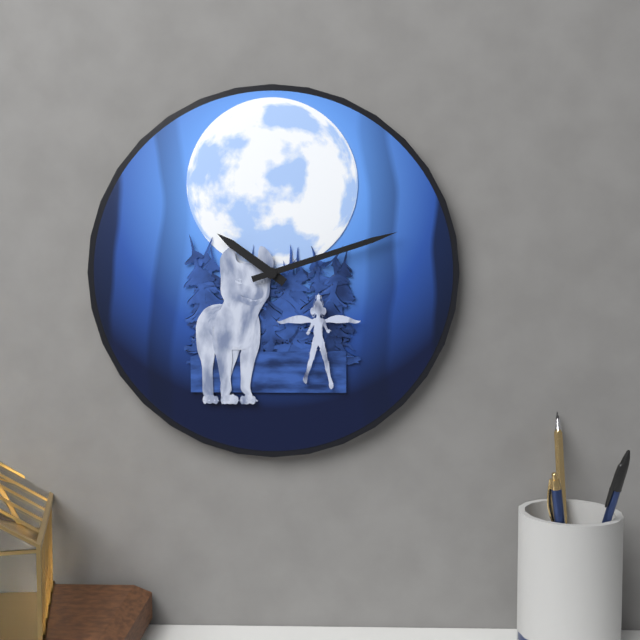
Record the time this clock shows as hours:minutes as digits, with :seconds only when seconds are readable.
10:12
